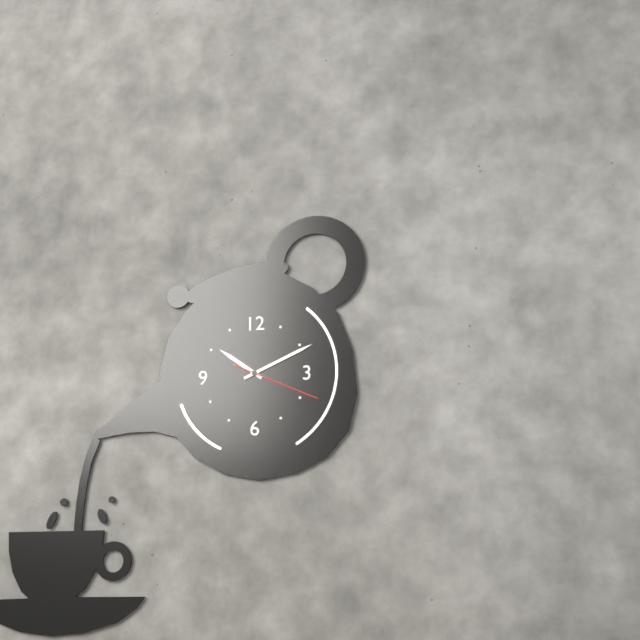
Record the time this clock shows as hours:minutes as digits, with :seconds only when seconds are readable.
10:11:19
